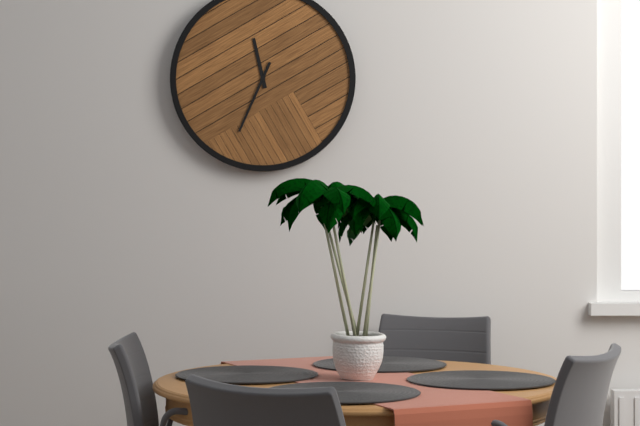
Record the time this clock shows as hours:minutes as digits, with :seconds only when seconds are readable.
11:34
